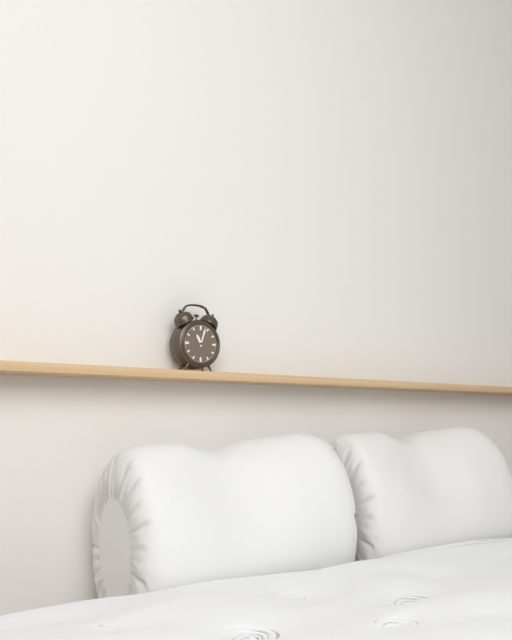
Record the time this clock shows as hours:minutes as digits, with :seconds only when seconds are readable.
11:03
